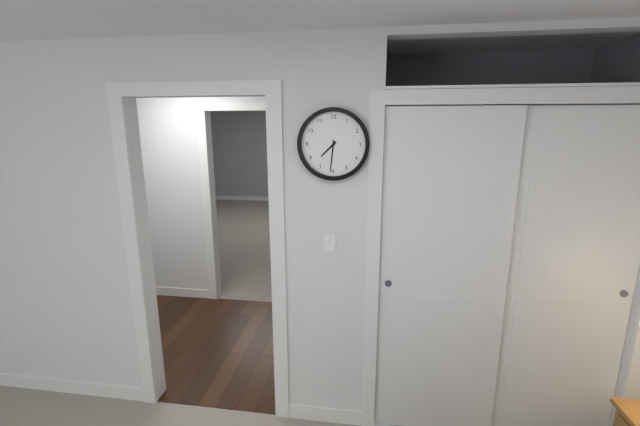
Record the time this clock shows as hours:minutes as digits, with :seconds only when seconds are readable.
7:31
